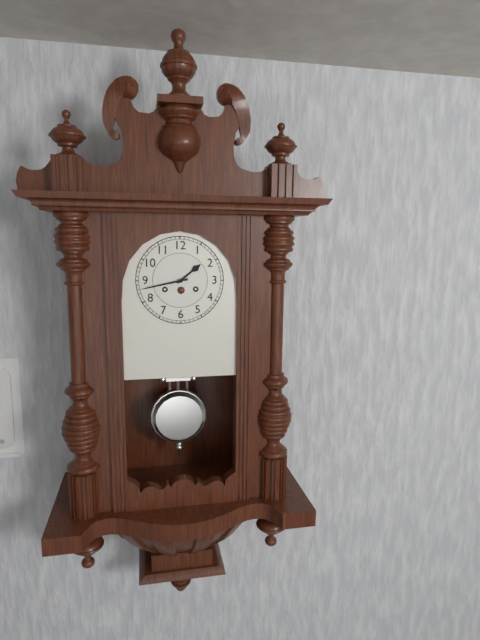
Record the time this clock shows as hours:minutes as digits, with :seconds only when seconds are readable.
1:43
